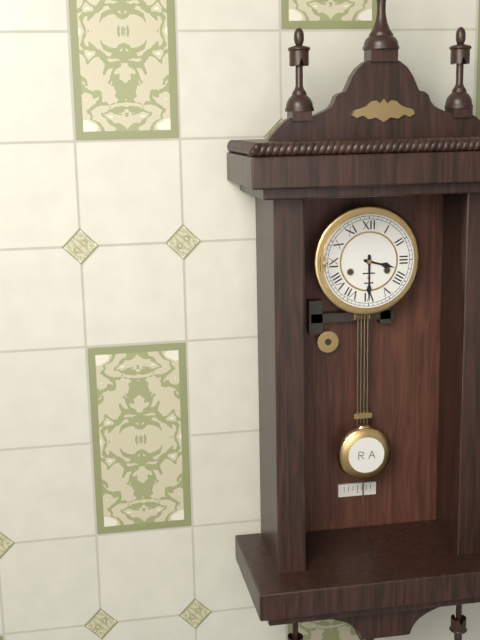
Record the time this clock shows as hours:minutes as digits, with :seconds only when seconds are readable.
3:30
